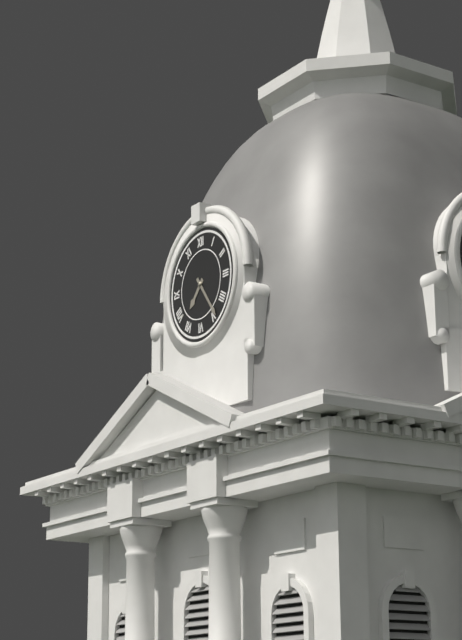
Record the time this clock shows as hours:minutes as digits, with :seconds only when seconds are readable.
7:24
